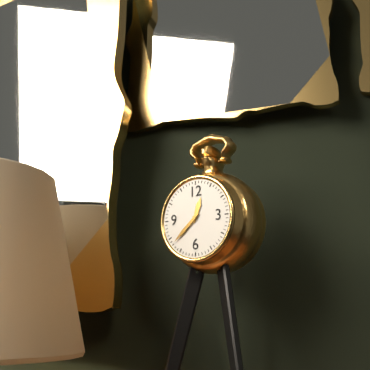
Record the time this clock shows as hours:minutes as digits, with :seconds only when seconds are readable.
12:38
